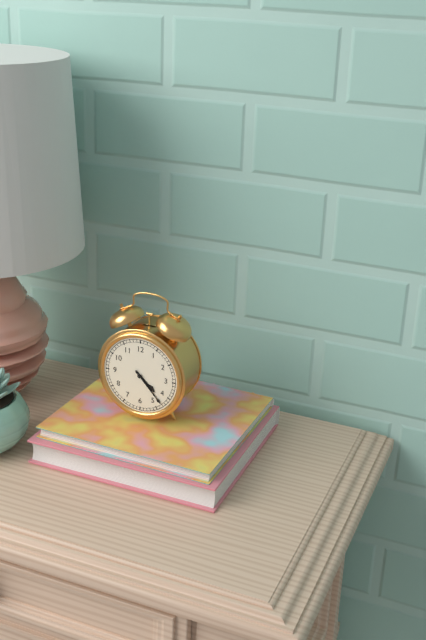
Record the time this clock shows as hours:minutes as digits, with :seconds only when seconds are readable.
4:23
